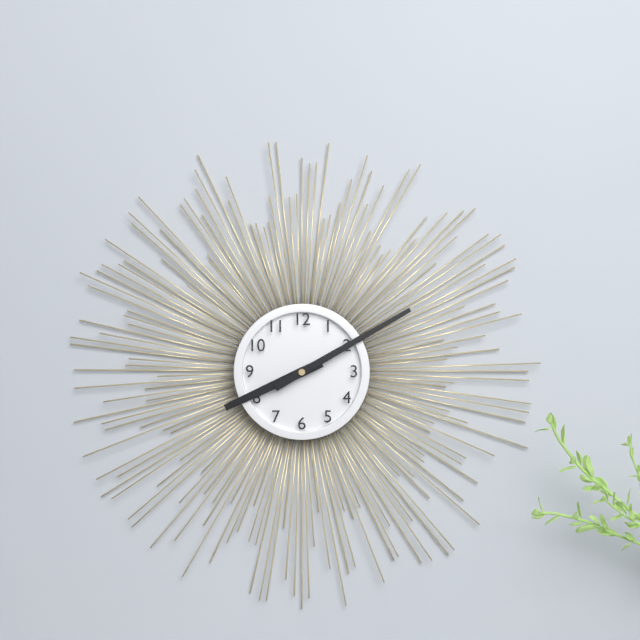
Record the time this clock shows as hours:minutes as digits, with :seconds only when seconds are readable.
8:10
